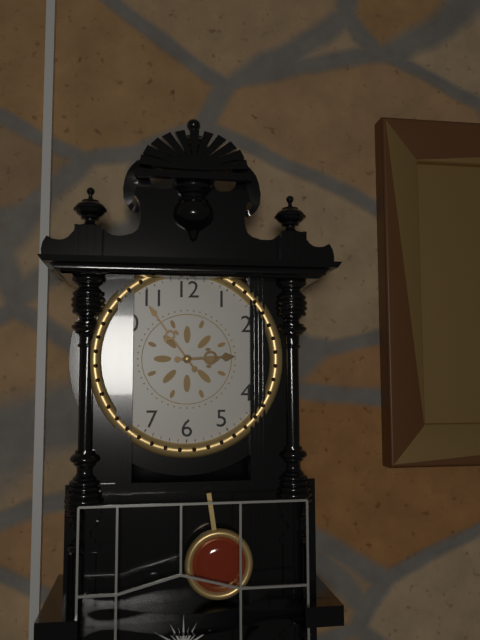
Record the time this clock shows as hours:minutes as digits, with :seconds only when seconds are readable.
2:54
